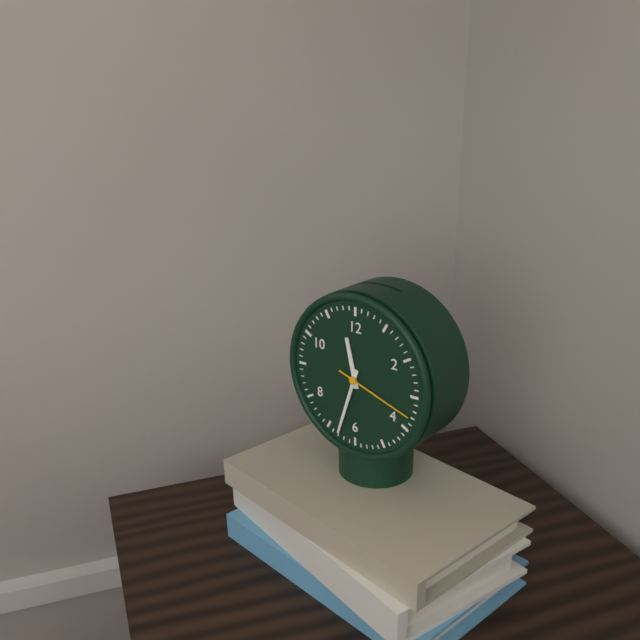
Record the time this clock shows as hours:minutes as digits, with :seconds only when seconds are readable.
11:33:18
